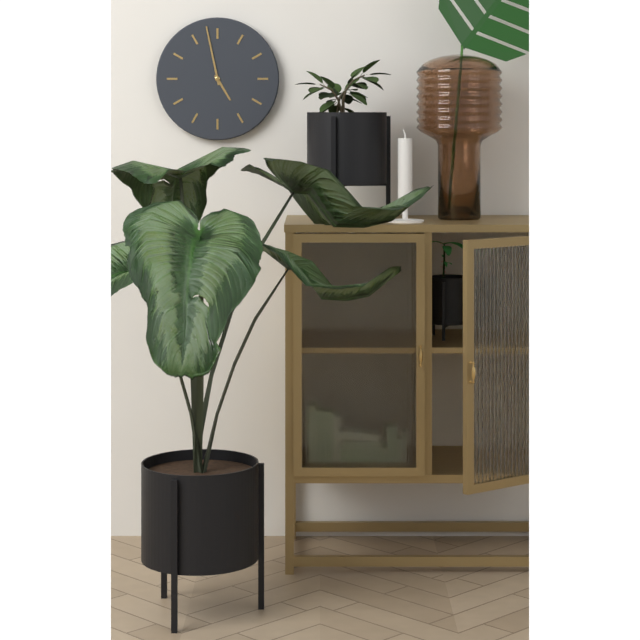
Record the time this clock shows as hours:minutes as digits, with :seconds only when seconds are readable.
4:58
